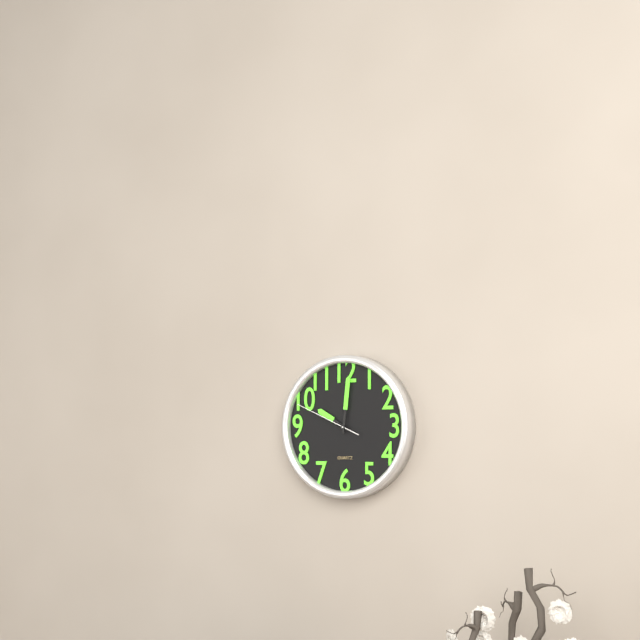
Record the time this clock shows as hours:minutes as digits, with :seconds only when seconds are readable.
10:01:49
